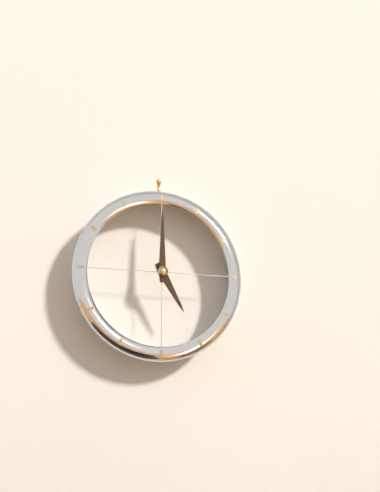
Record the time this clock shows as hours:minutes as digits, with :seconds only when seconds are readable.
5:00
